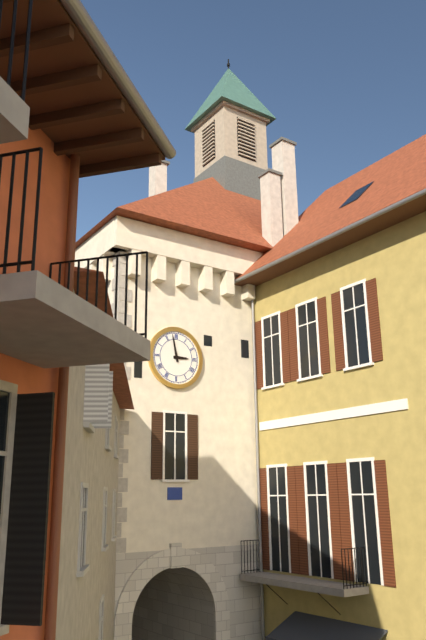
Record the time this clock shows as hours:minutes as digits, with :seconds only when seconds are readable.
2:58
